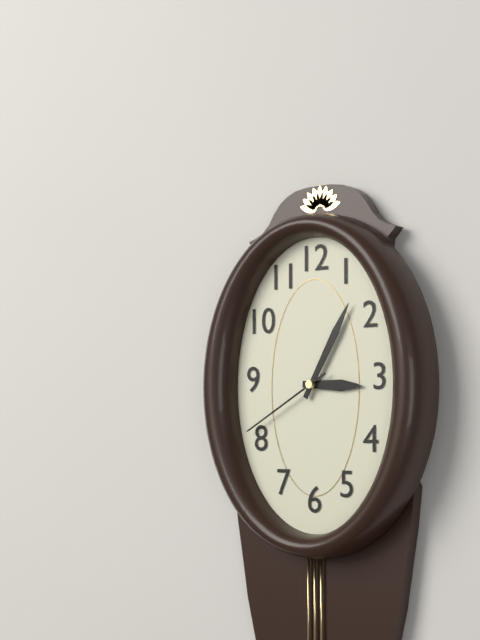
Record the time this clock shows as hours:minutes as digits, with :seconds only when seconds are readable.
3:05:40
